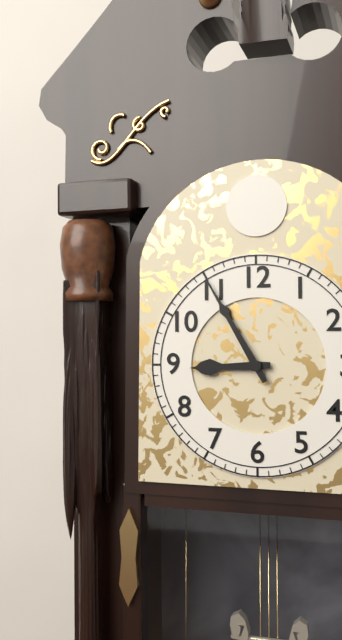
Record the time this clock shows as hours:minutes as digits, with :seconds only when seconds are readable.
8:55
